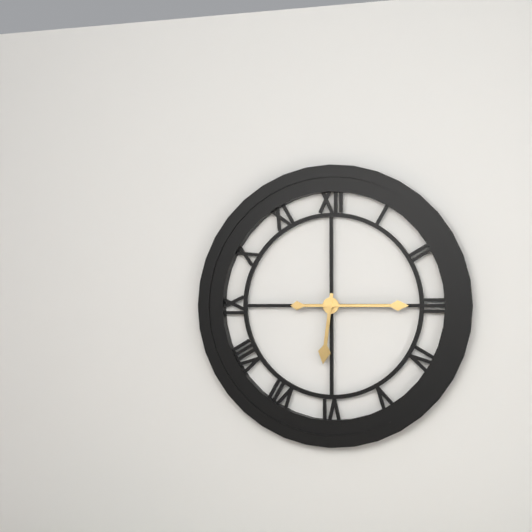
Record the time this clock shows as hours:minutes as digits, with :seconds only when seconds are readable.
6:15
